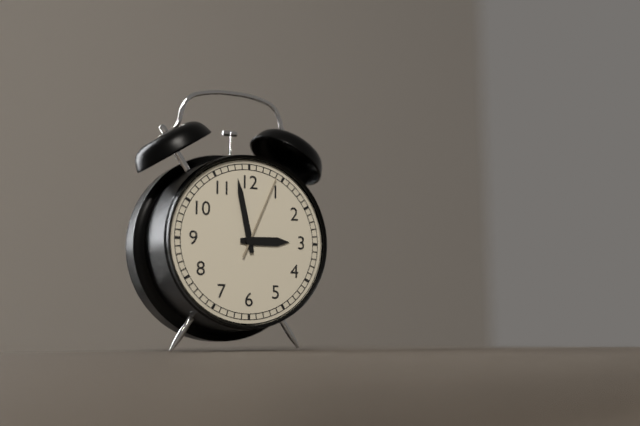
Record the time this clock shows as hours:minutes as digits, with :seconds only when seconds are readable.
2:58:04
